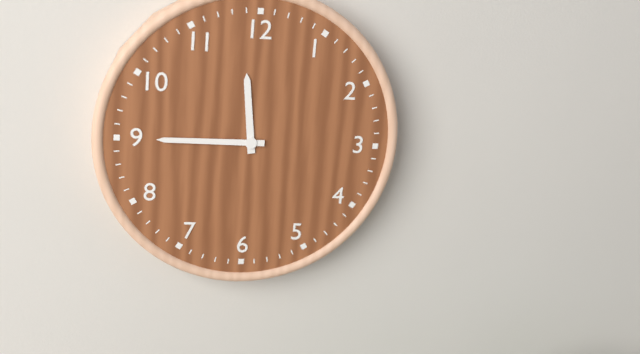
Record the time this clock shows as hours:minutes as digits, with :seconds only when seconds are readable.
11:45
